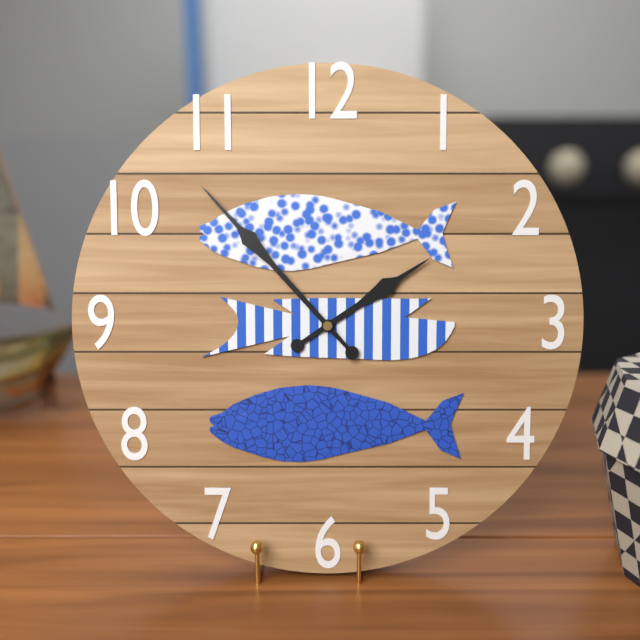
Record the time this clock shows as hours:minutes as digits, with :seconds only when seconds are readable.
1:53
